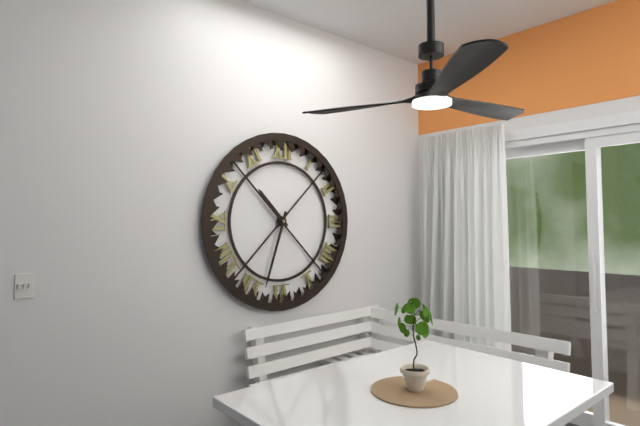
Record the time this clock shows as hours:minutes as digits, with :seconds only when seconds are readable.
10:33
